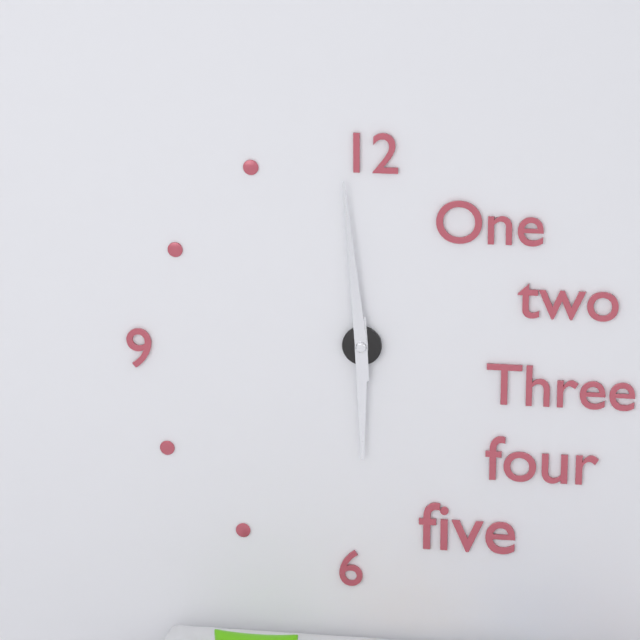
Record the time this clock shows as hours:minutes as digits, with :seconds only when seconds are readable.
5:59
